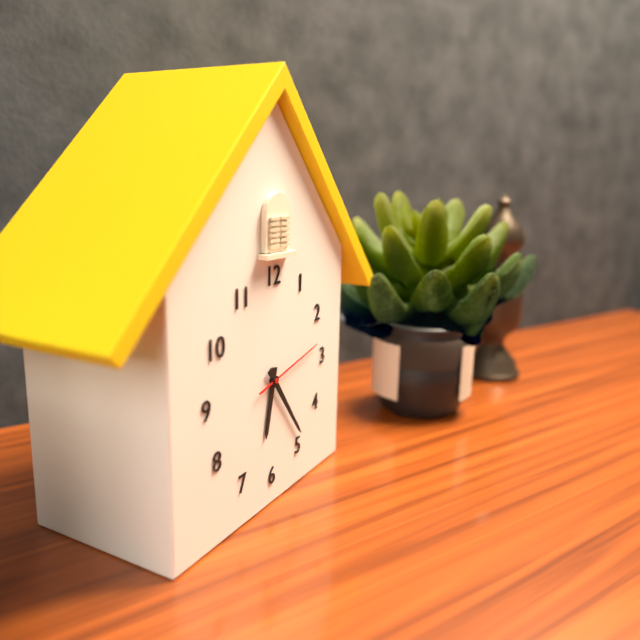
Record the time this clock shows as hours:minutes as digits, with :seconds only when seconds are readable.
6:24:13
